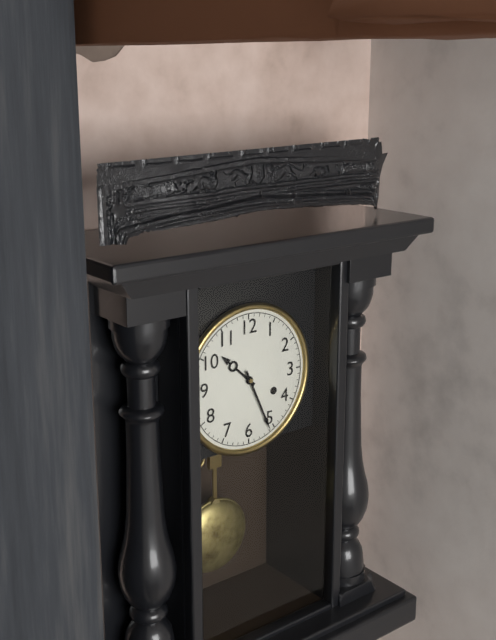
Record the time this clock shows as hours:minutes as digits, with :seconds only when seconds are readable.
10:26
